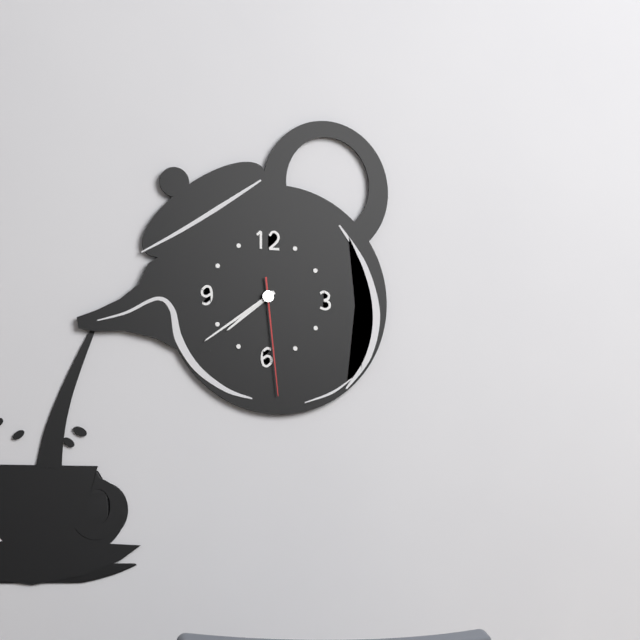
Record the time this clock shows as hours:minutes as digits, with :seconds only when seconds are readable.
7:39:29
